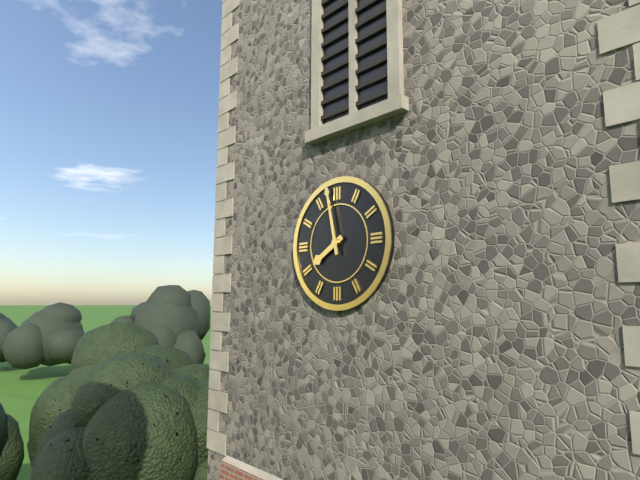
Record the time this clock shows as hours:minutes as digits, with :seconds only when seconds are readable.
7:58
